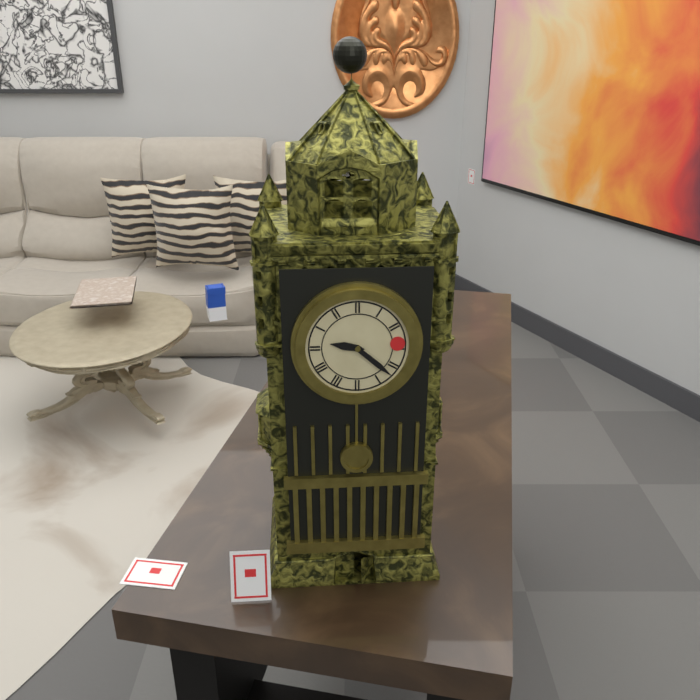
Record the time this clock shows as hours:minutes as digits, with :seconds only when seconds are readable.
9:22
